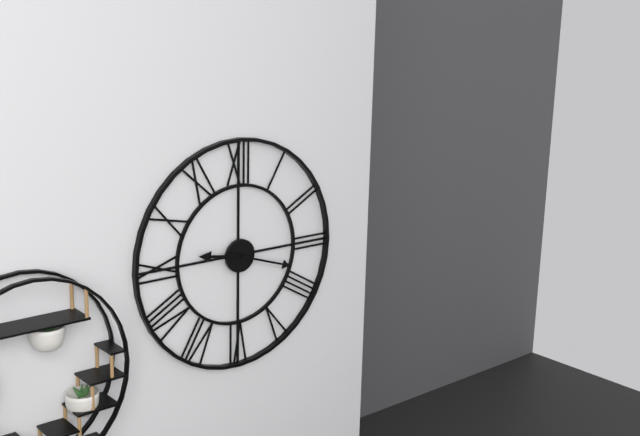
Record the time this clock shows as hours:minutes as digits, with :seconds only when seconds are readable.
9:18
